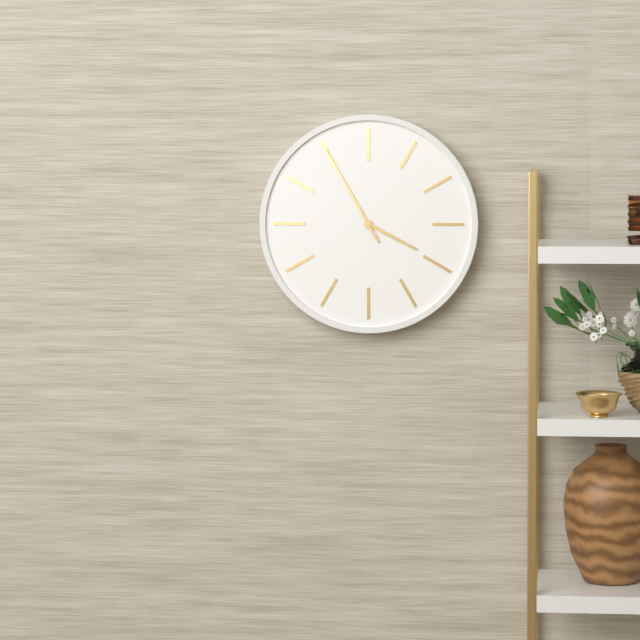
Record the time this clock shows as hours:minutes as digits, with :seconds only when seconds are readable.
3:55
